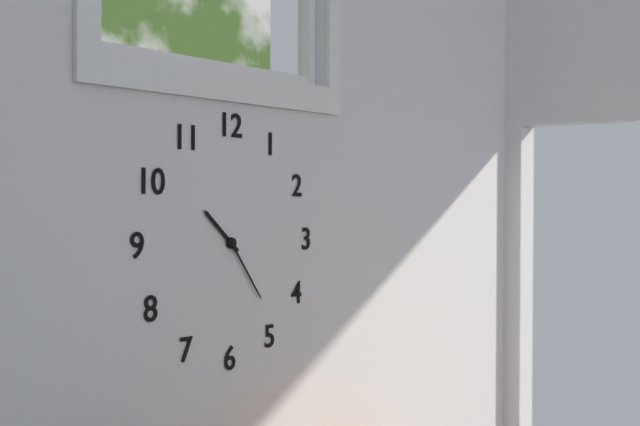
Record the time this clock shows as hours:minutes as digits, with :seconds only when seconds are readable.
10:24
